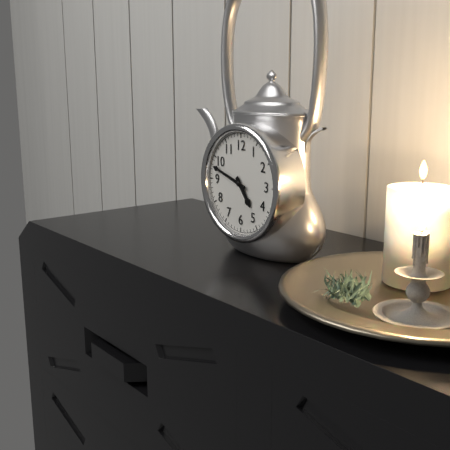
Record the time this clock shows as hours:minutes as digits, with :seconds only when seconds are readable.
4:48
